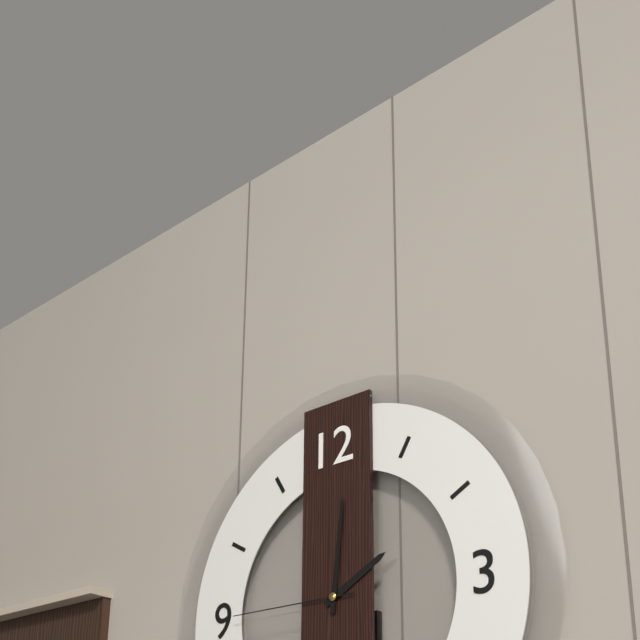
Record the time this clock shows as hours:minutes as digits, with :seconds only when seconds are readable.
2:01:45
